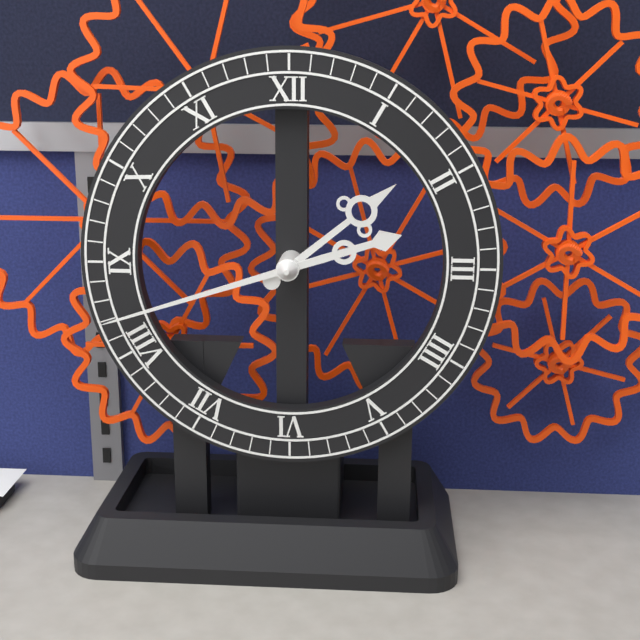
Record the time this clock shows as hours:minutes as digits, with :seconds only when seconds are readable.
1:42
